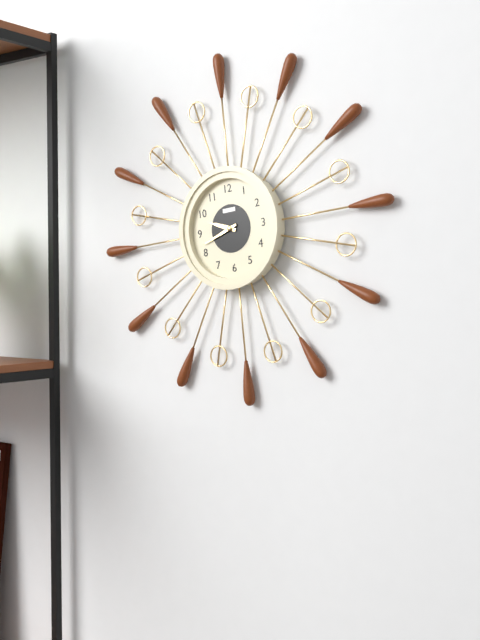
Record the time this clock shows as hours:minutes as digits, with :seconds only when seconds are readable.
9:42
